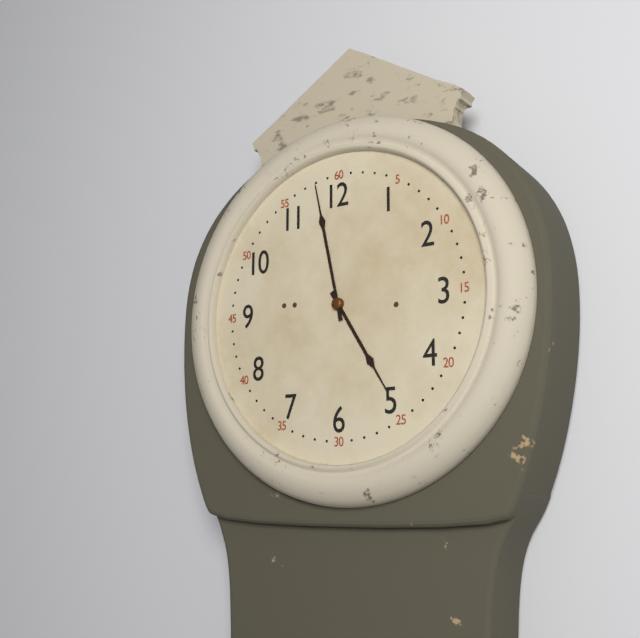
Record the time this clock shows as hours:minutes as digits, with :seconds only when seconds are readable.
4:58
